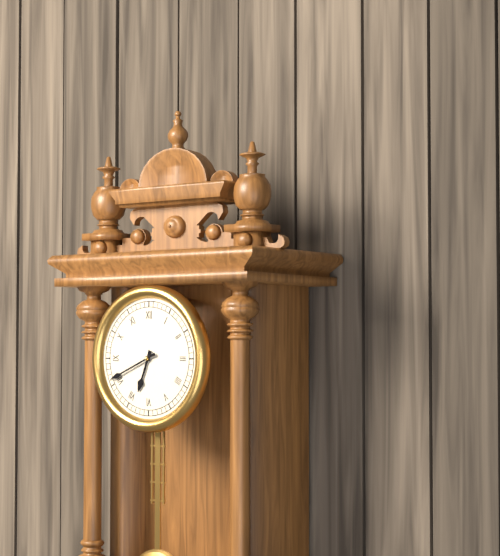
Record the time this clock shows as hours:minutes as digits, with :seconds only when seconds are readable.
6:41
